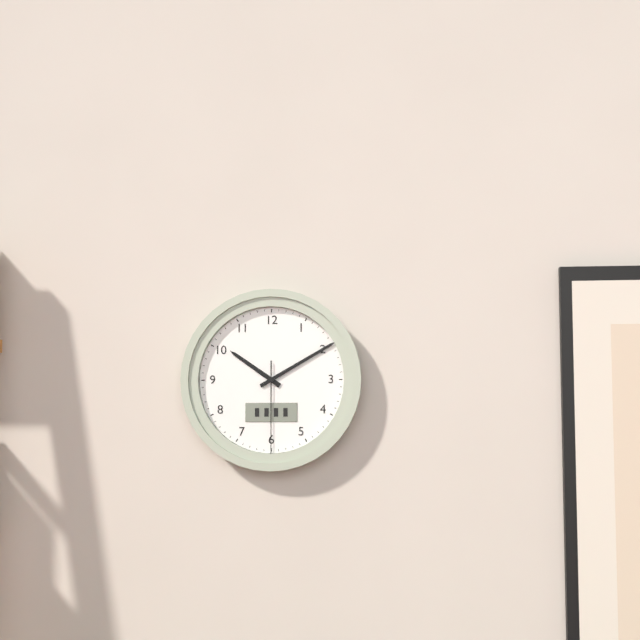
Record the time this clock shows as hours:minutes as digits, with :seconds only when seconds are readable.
10:10:30
